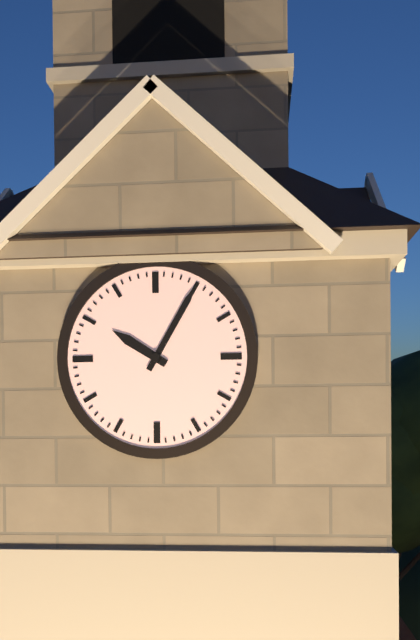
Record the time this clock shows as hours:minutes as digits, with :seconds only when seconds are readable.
10:05
